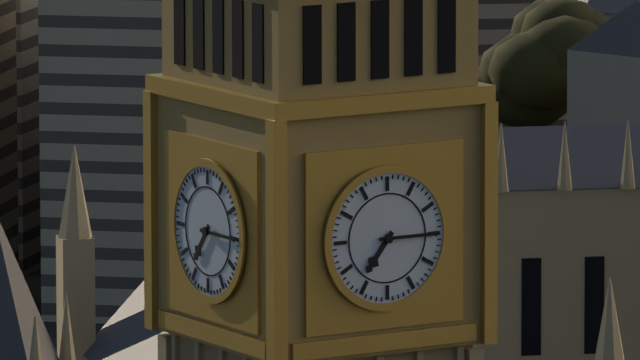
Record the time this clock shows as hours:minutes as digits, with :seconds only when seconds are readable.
7:15
